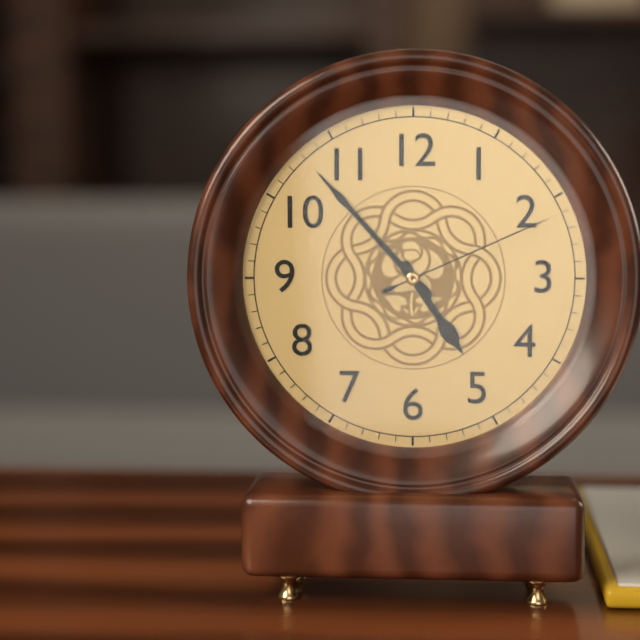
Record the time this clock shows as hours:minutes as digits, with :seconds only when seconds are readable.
4:53:11
